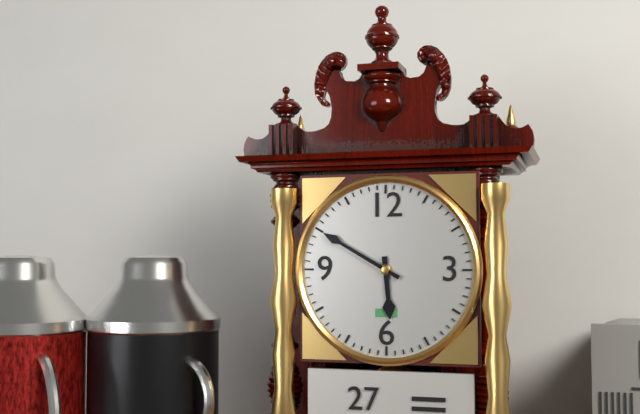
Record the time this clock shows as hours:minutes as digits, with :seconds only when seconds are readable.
5:50
